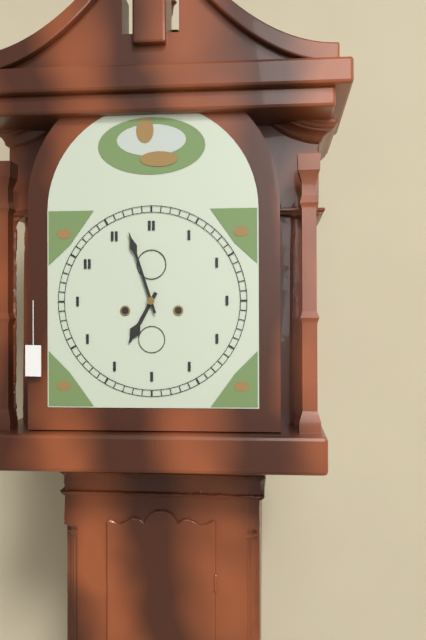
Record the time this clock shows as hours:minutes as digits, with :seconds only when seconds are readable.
6:57
